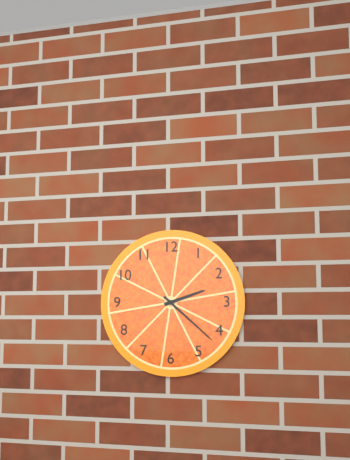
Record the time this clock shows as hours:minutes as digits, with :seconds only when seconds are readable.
2:22
